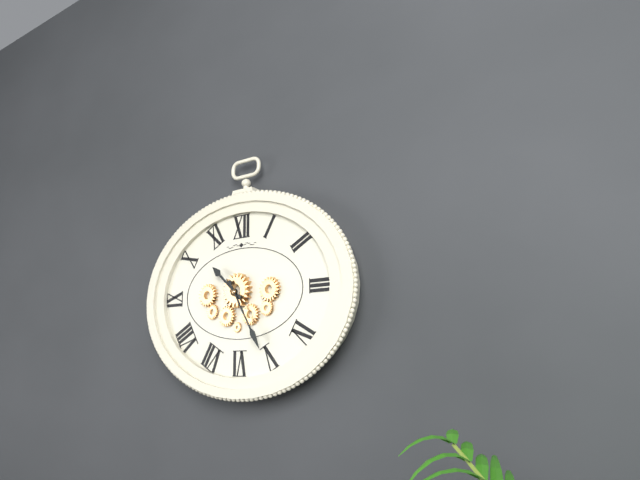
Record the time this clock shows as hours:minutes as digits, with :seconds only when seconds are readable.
10:25
